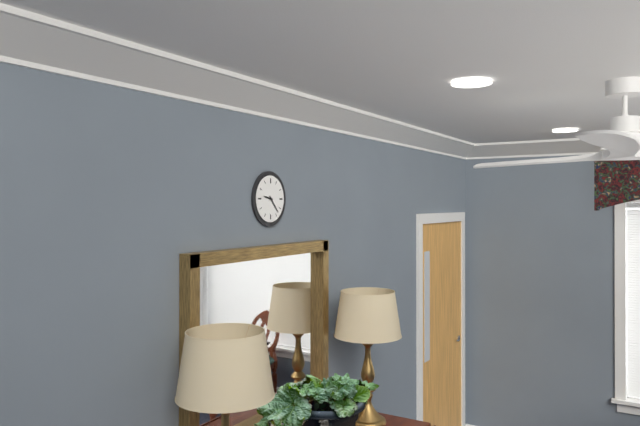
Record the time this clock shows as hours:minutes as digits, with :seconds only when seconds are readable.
9:23
